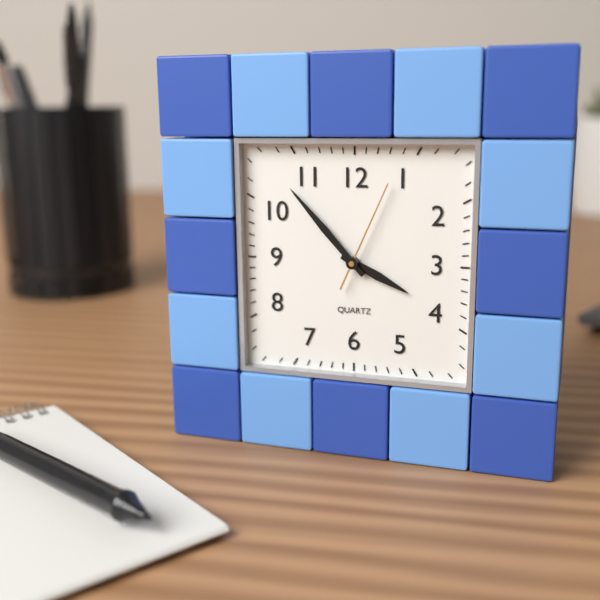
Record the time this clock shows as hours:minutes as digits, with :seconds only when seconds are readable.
3:53:04
